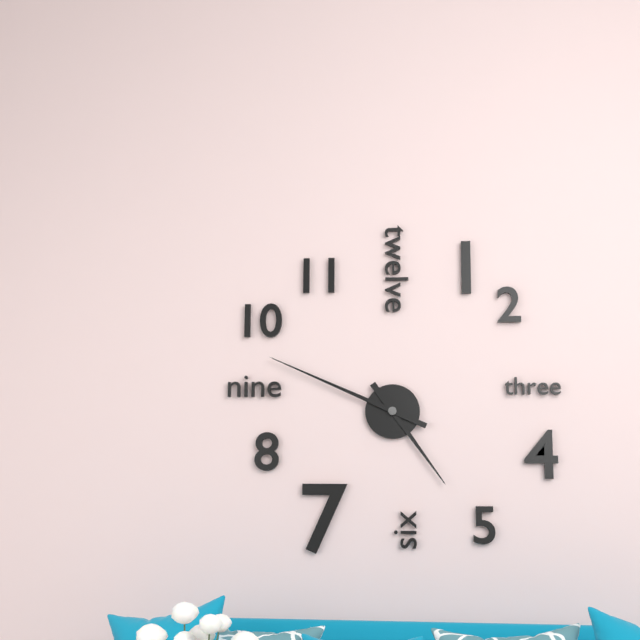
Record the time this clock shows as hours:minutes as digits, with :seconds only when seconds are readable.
4:49
